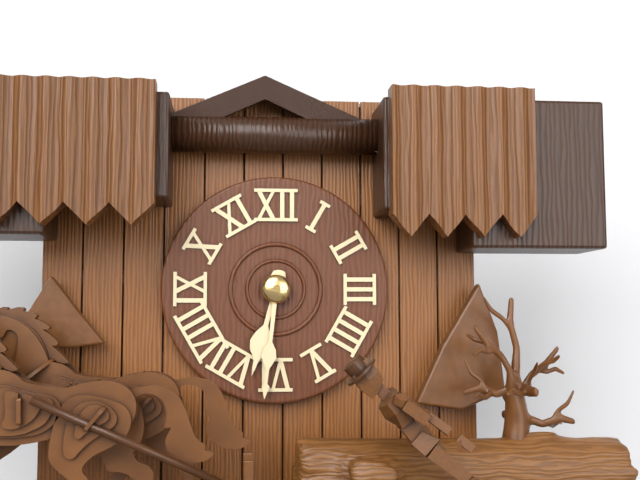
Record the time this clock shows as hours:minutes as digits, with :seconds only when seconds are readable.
6:31
